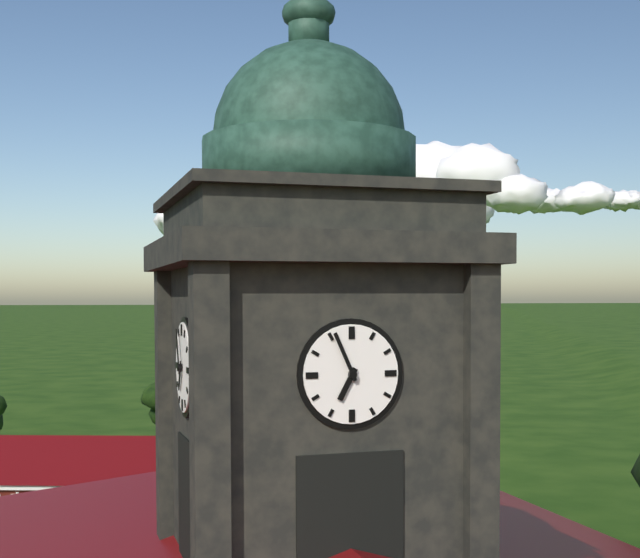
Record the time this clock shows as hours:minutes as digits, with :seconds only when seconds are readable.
6:56
